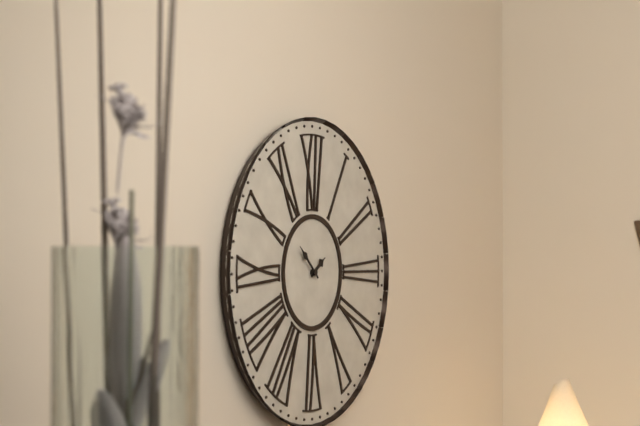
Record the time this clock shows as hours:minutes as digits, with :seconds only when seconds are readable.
1:52
